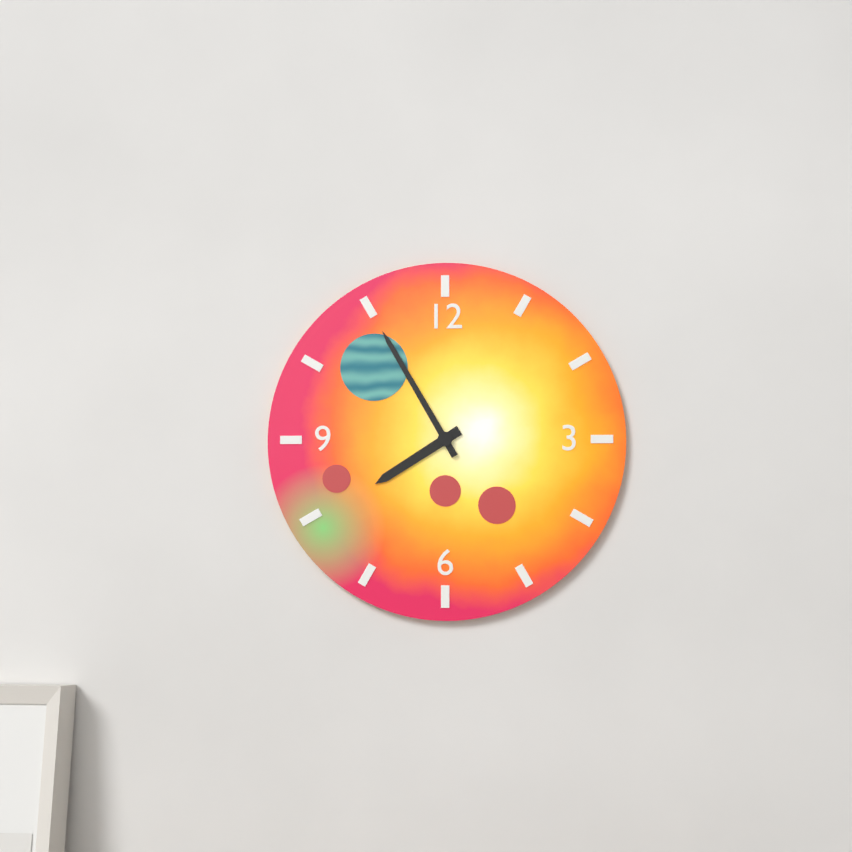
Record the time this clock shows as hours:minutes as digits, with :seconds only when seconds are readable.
7:55
